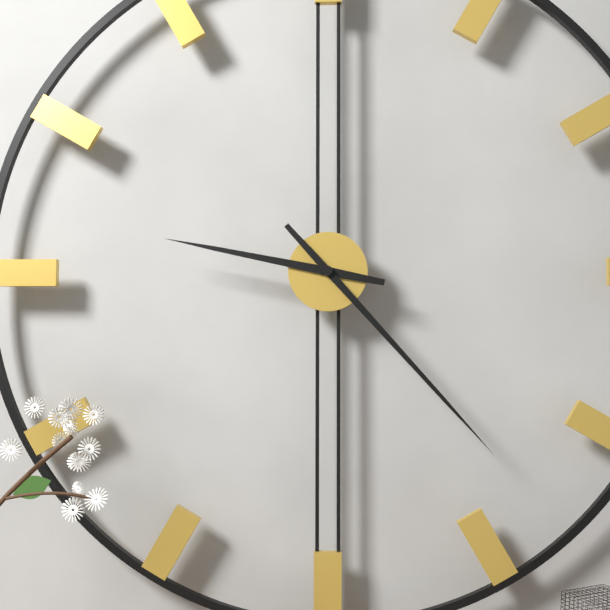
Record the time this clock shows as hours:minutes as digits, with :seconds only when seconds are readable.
9:23
